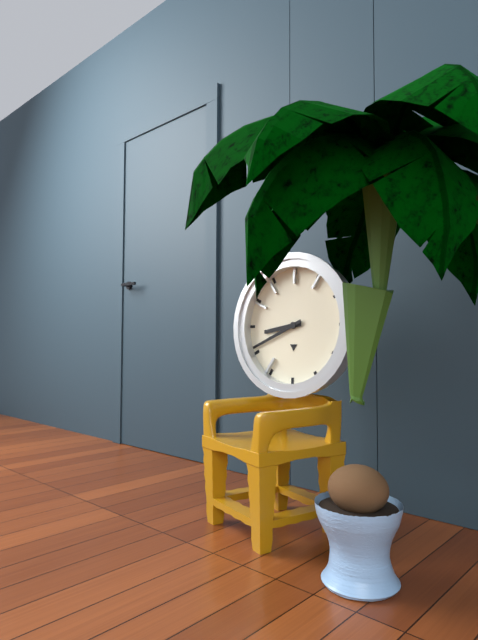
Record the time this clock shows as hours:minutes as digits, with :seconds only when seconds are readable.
8:41
